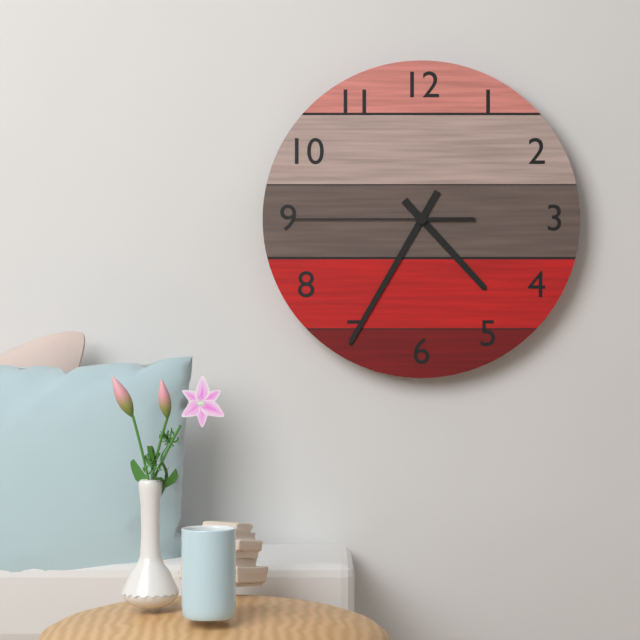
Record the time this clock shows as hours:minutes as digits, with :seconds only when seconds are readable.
4:35:45
